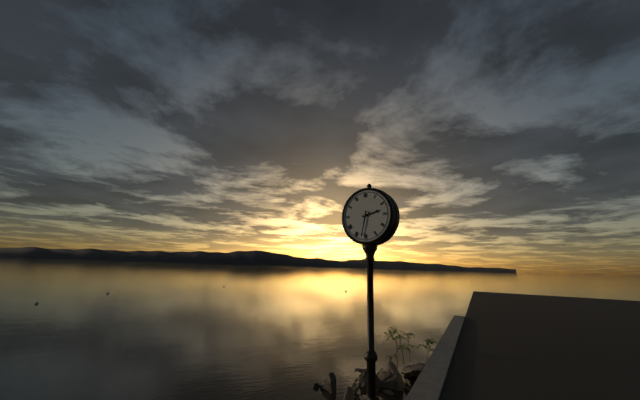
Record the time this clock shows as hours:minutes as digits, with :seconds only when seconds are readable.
2:32
